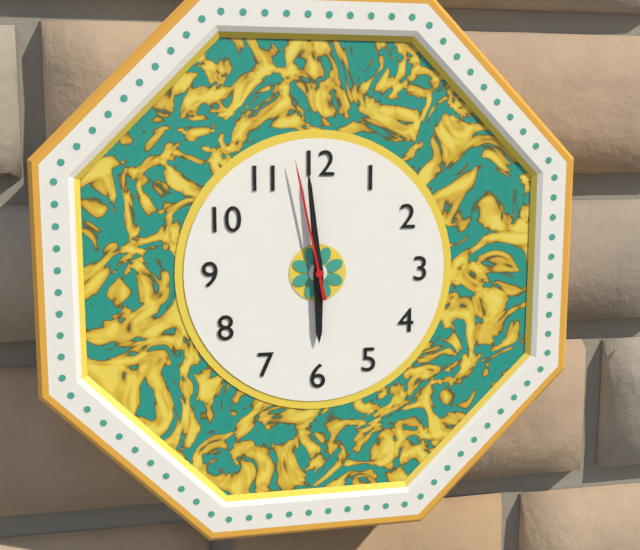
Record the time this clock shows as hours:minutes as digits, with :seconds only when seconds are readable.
5:59:58
